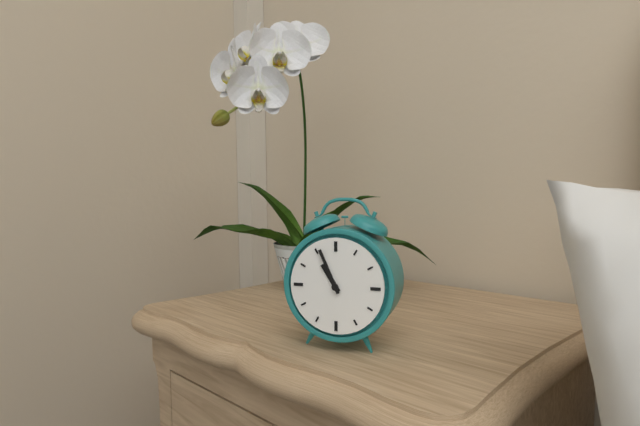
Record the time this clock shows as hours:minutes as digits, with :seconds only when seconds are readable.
10:56
